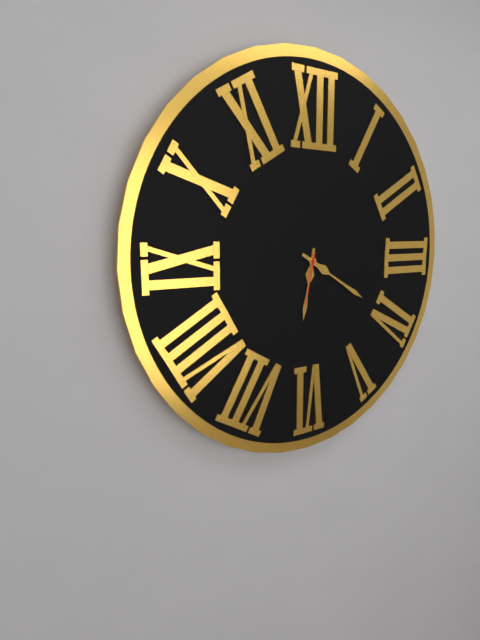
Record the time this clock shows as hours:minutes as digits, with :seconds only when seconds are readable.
6:20:32
